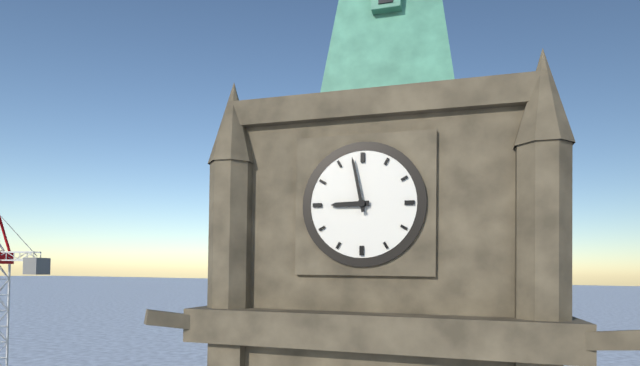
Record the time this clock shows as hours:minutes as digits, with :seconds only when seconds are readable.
8:58
